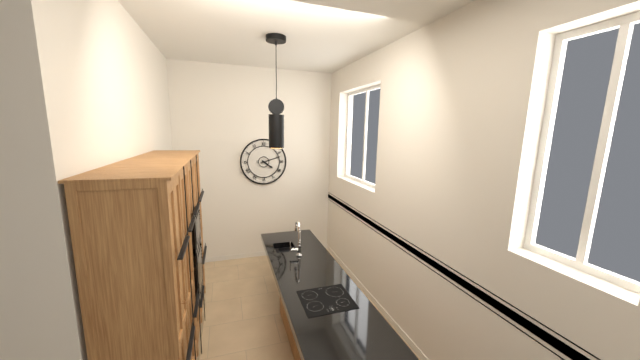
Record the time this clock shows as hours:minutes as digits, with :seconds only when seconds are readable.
4:12
